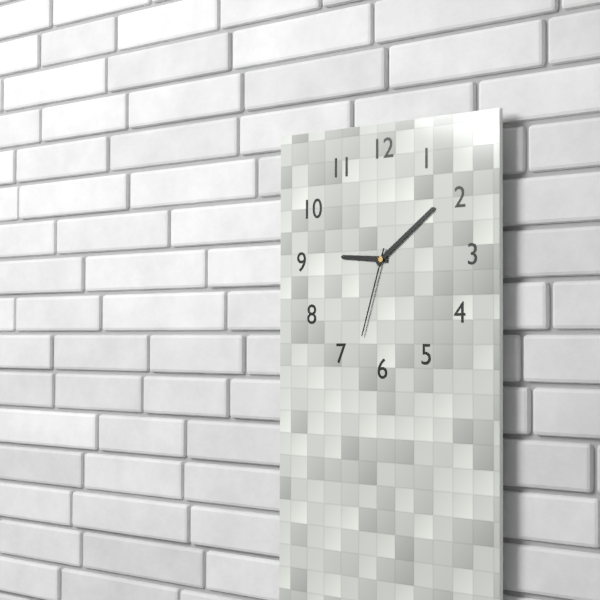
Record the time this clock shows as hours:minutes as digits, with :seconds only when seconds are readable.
9:09:33
